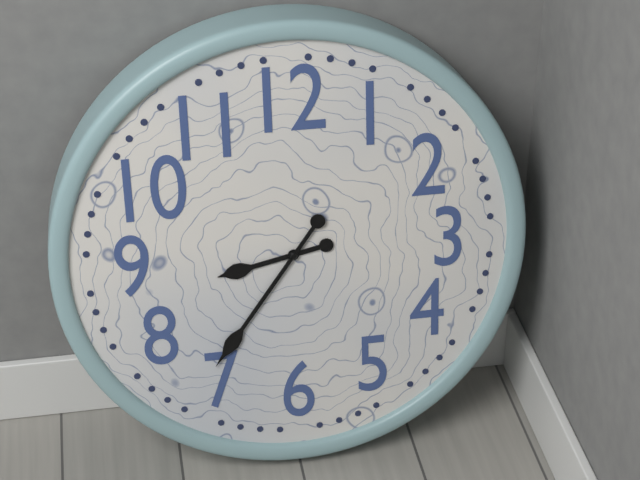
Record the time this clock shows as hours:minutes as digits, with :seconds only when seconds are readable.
8:36
